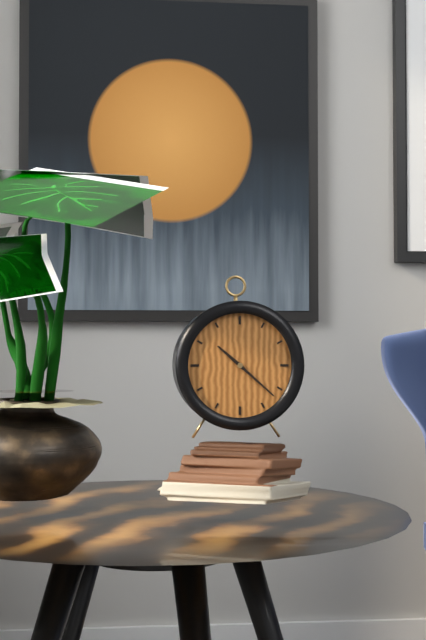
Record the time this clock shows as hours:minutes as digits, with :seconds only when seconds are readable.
10:22
